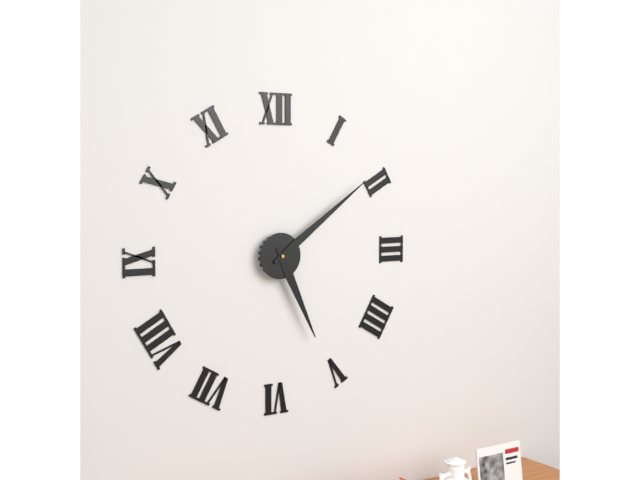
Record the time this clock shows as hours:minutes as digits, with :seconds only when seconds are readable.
5:09
